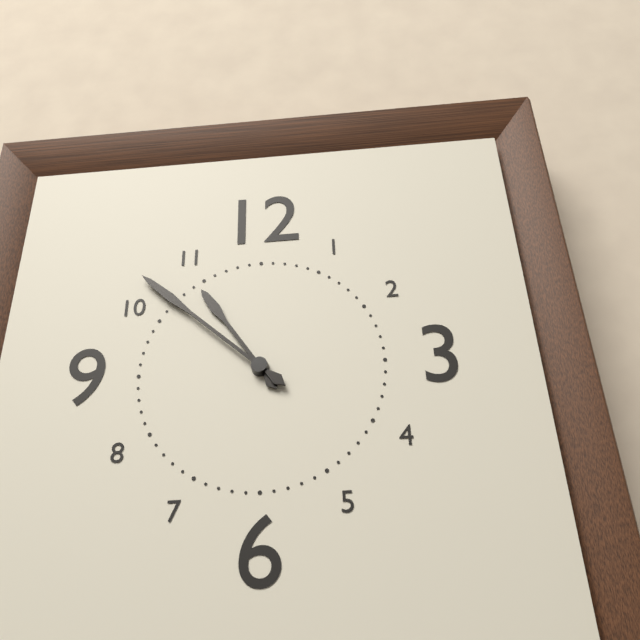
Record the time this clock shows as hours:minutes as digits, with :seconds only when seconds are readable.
10:52
